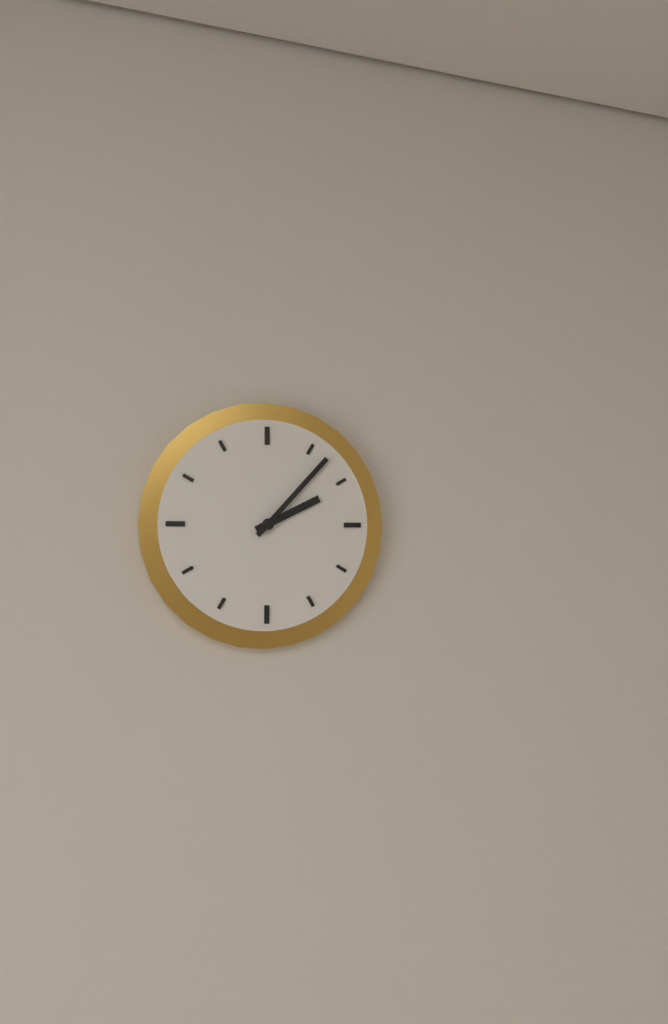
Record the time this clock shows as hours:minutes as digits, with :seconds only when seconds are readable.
2:07
